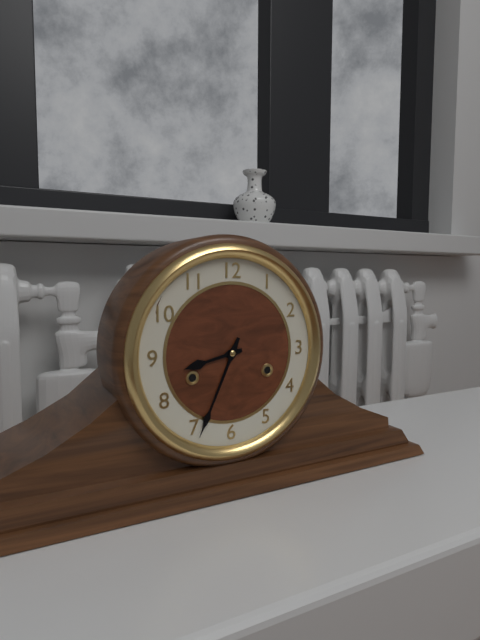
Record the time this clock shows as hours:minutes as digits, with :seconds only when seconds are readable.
8:34
